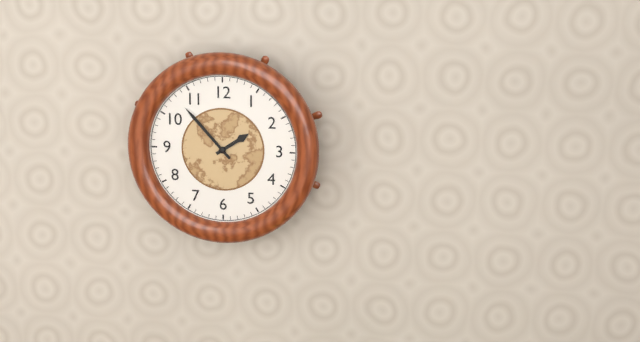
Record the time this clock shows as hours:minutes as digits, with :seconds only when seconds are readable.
1:53
